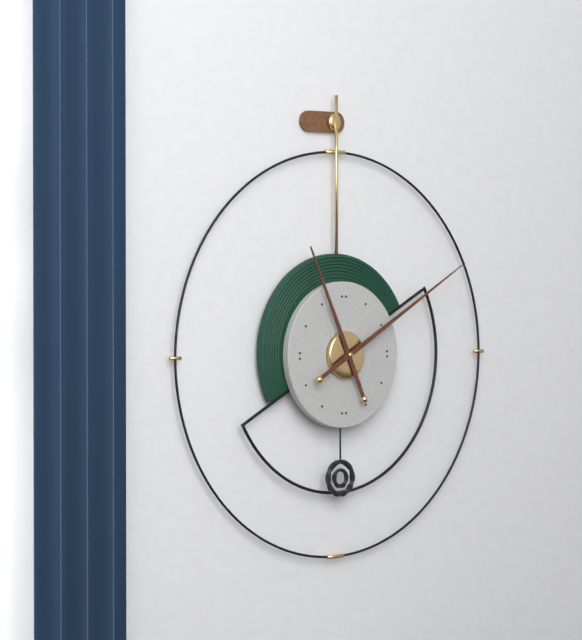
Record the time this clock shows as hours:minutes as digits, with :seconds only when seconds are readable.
11:10
